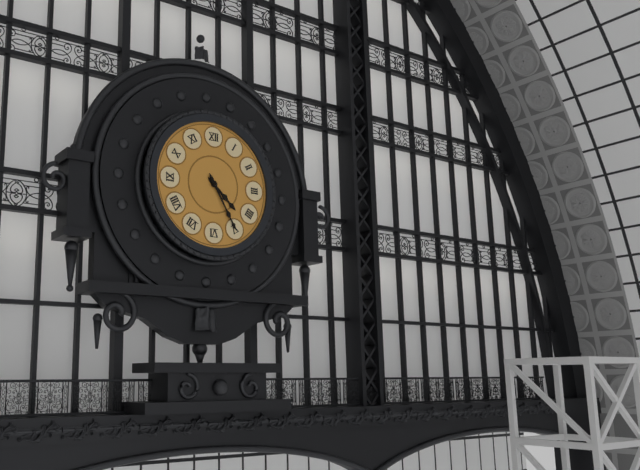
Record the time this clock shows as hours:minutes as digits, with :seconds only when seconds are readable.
4:25
